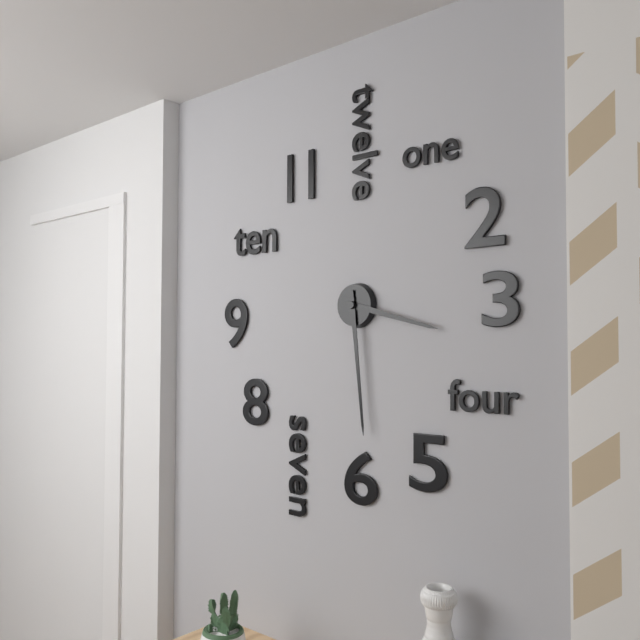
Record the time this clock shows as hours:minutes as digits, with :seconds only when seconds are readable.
3:29
